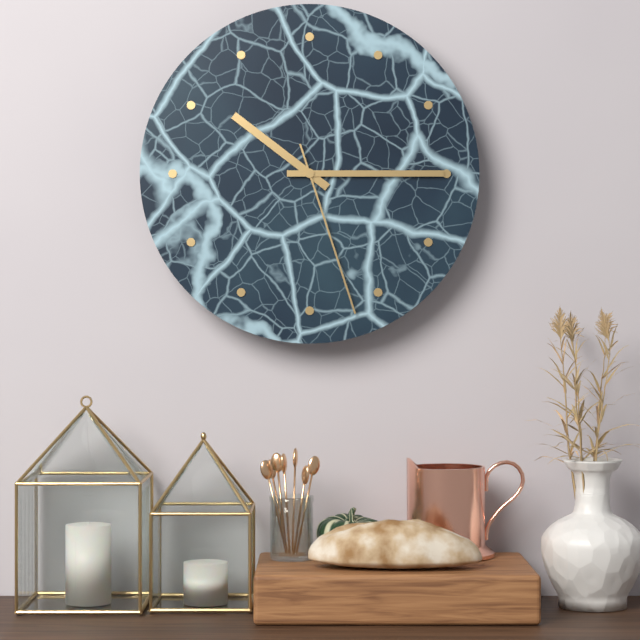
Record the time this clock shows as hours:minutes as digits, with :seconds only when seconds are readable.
10:15:27
